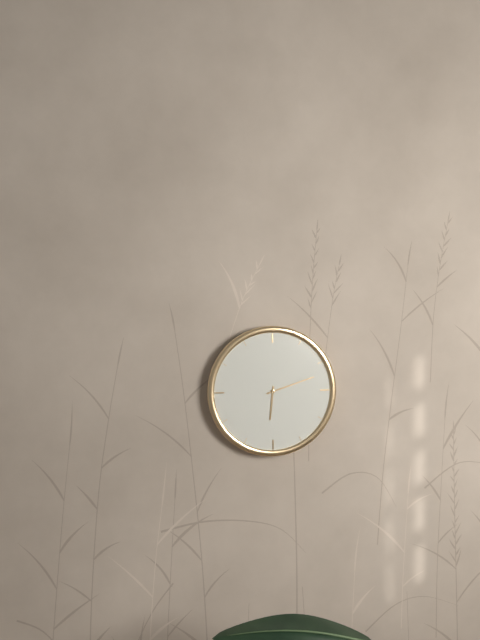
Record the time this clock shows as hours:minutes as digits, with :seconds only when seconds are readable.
6:12
